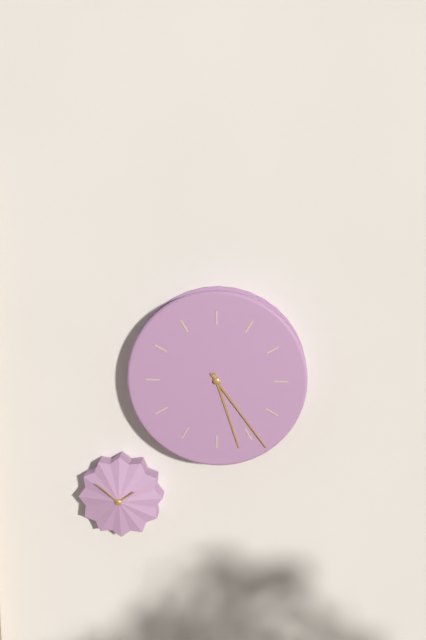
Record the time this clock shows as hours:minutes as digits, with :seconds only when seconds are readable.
5:24
